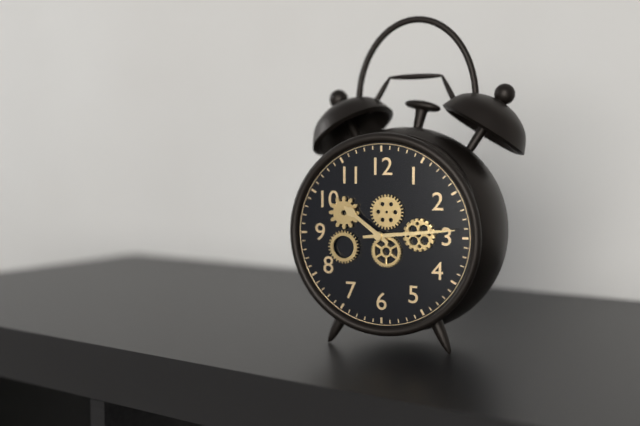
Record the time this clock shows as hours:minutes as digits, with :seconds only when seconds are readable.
10:14
